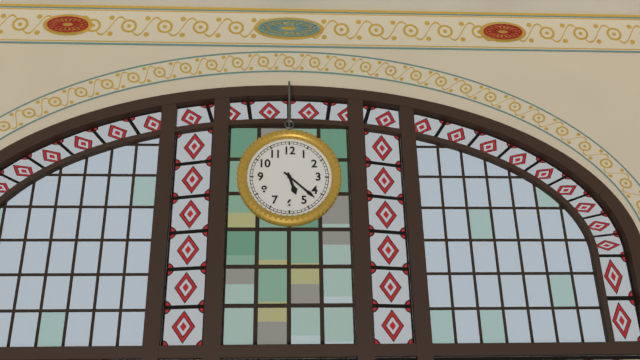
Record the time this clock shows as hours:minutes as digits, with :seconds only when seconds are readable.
5:22
